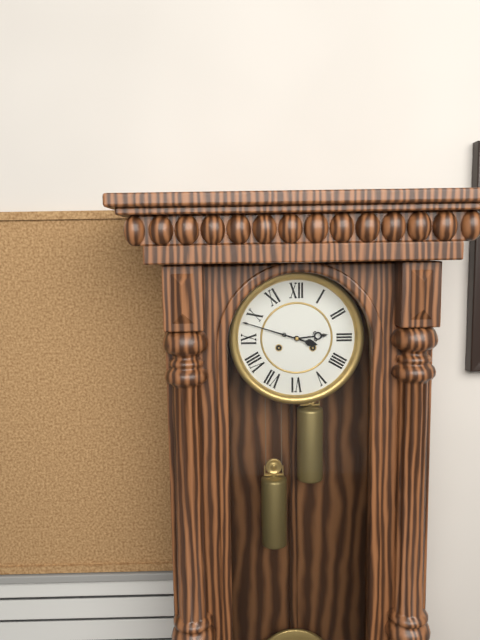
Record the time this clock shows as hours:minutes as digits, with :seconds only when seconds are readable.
2:48
